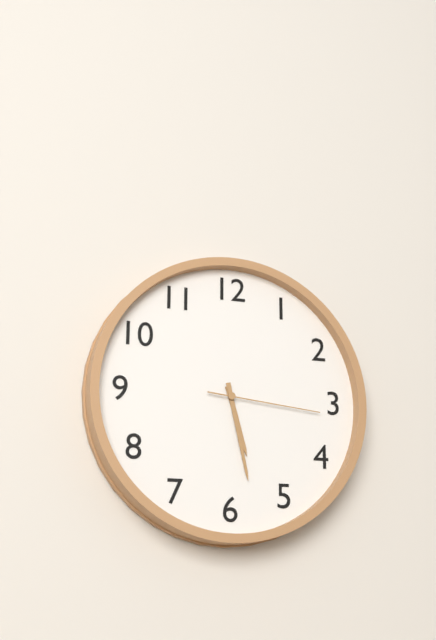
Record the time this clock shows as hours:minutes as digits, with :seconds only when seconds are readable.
5:28:16
